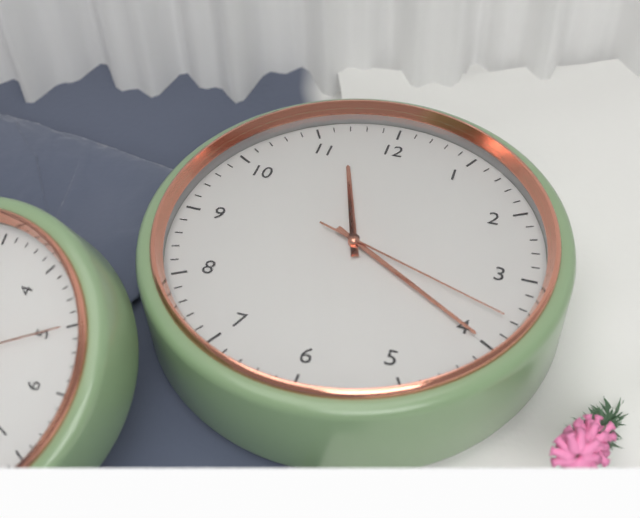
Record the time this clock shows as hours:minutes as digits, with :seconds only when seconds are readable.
11:20:18
